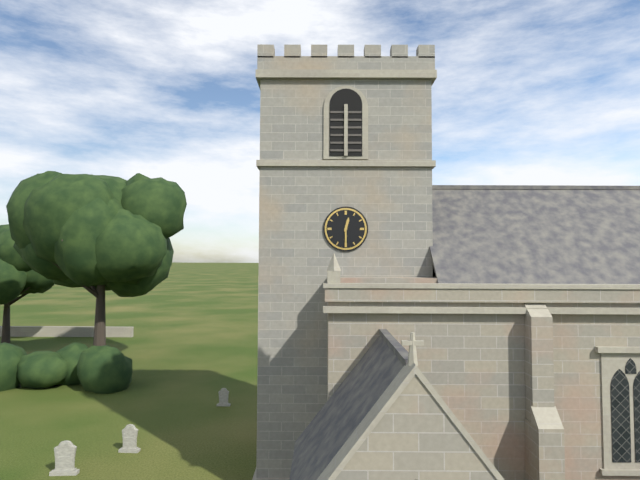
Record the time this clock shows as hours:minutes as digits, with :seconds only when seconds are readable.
12:30
